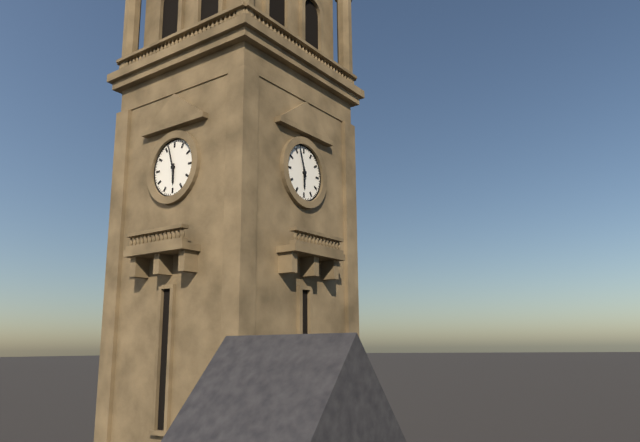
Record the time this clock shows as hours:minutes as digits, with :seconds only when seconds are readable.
5:57
